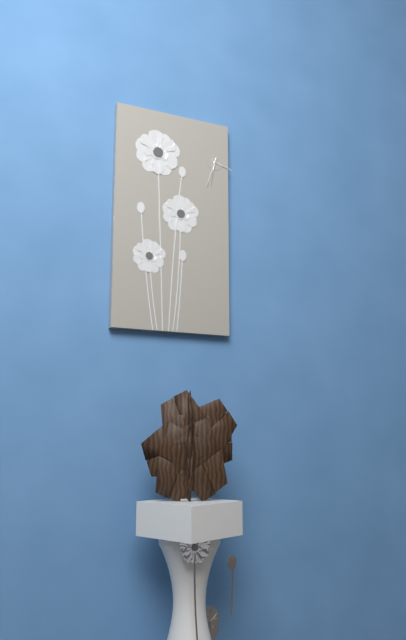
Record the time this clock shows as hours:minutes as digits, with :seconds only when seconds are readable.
3:33
